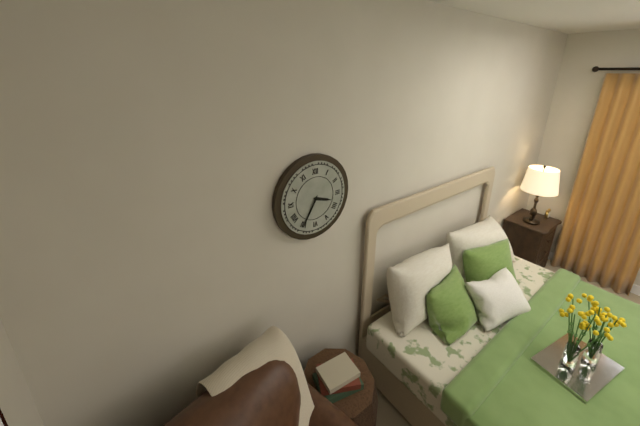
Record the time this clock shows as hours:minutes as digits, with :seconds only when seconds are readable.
3:35
